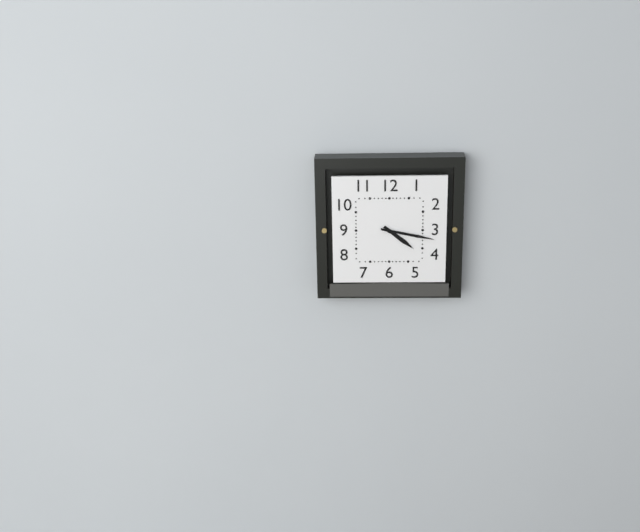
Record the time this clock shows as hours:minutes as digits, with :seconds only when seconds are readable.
4:17
